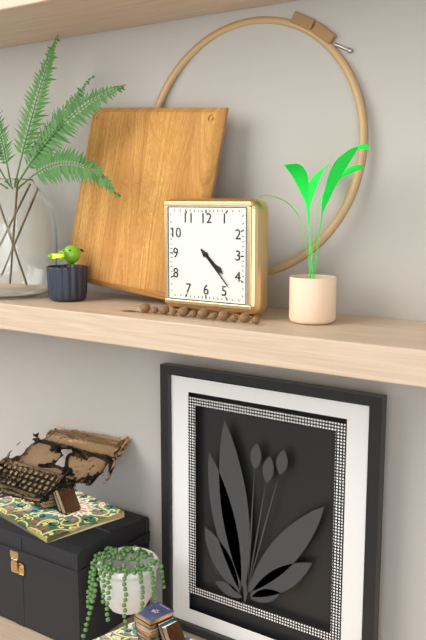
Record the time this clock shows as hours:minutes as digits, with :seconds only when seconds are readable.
4:23
